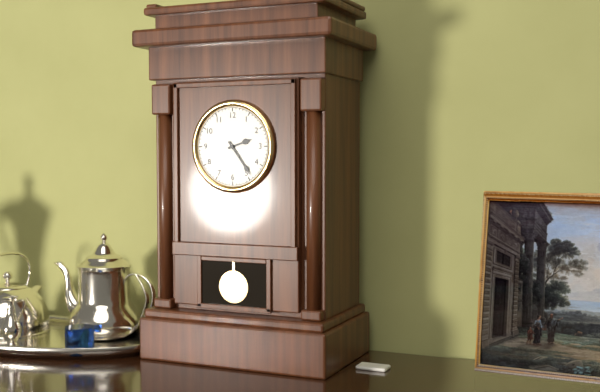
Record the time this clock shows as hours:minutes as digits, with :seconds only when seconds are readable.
2:24
